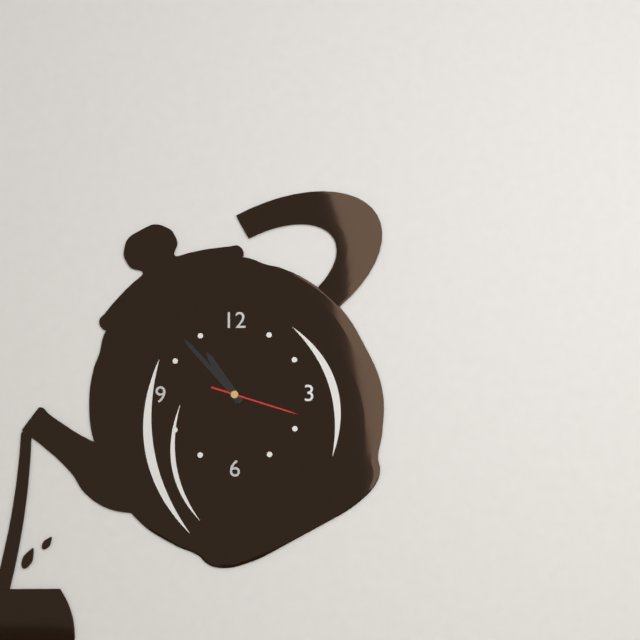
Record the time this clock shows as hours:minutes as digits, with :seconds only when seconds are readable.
10:53:18
